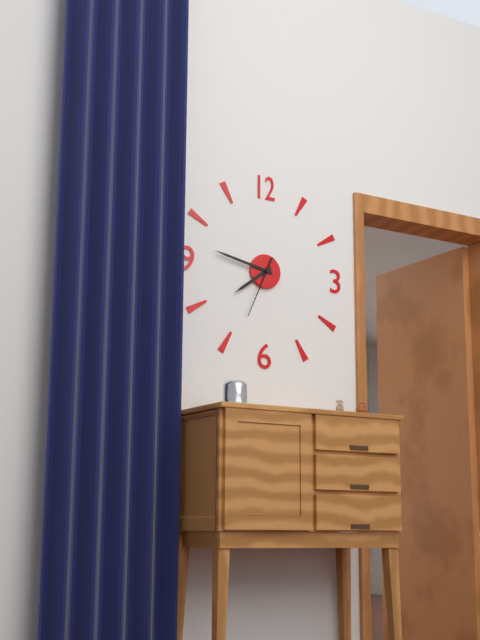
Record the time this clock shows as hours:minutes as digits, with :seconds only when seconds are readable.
7:47:34
